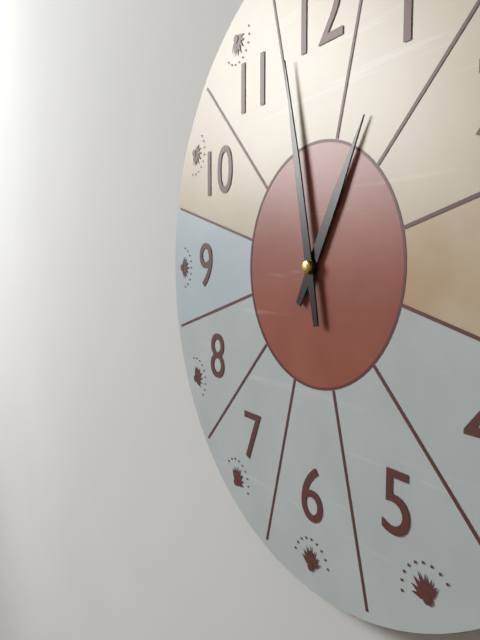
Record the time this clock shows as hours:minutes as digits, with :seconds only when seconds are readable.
12:58
